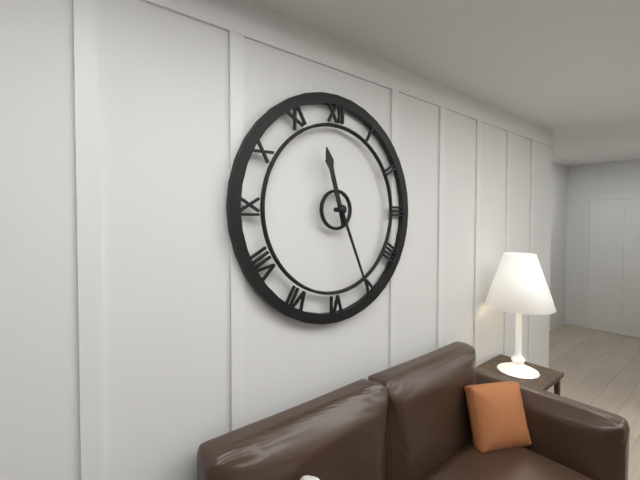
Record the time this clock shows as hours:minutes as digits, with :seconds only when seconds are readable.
11:26
